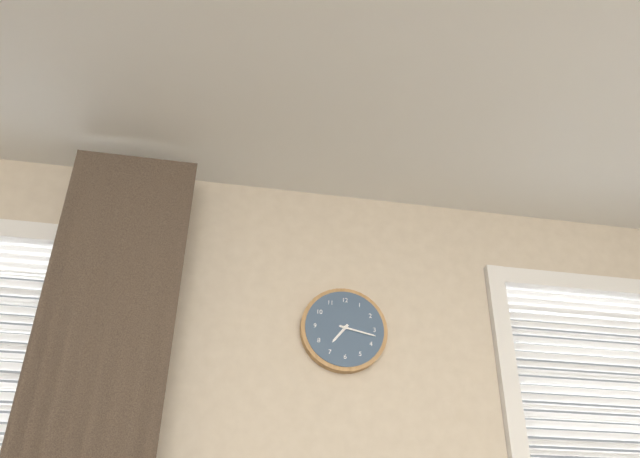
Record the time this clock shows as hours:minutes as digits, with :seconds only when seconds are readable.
7:17
